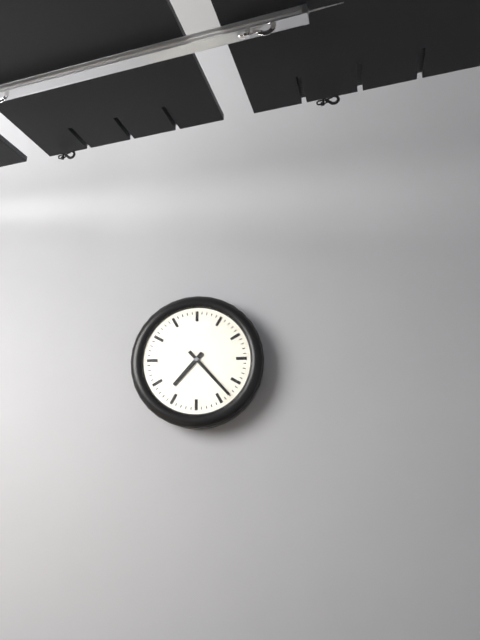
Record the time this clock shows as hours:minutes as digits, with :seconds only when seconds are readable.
7:23
